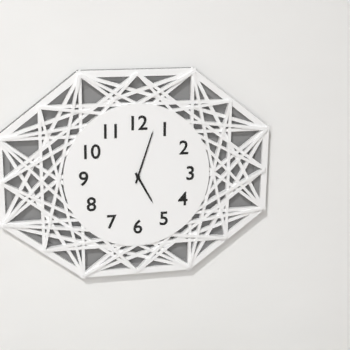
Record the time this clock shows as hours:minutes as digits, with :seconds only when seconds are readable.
5:03
